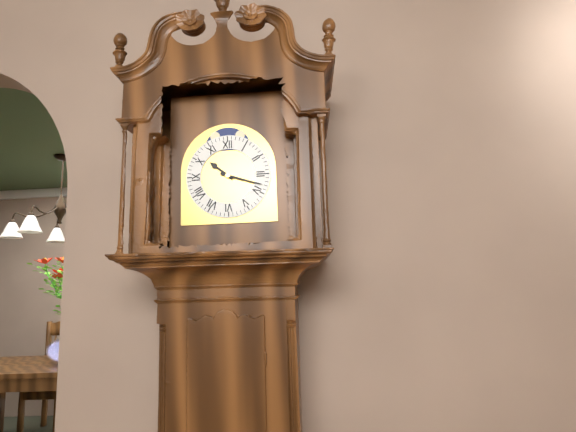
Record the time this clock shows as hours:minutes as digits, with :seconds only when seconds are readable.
10:18
